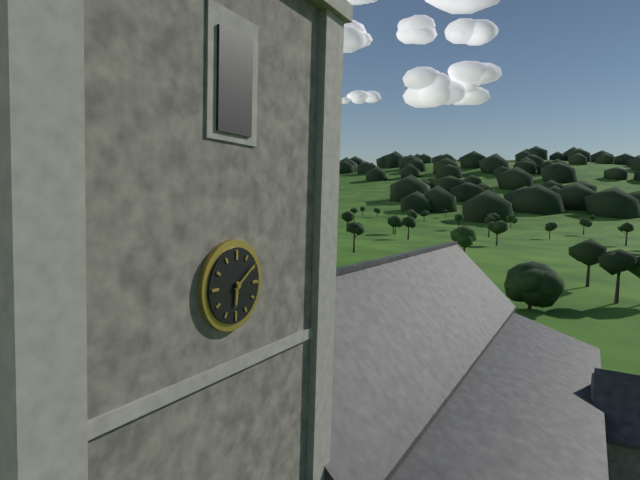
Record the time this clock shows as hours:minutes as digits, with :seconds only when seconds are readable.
6:09
